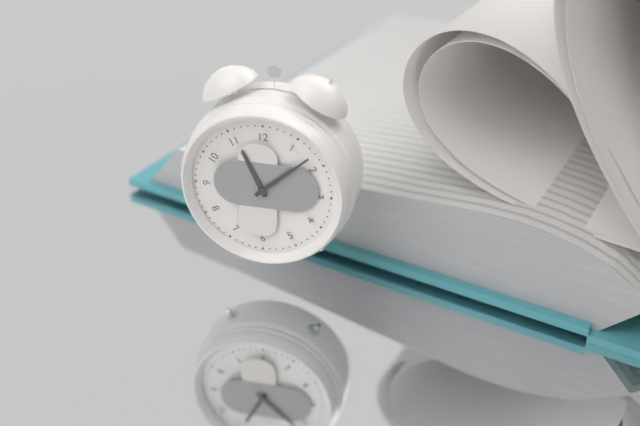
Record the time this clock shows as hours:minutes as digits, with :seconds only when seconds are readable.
11:08
